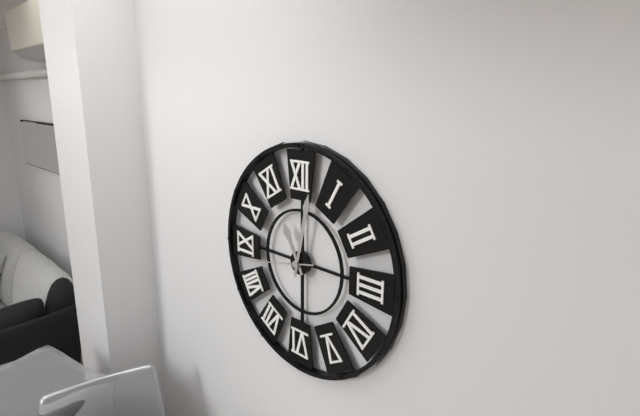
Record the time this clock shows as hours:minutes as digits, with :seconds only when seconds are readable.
11:02:43
